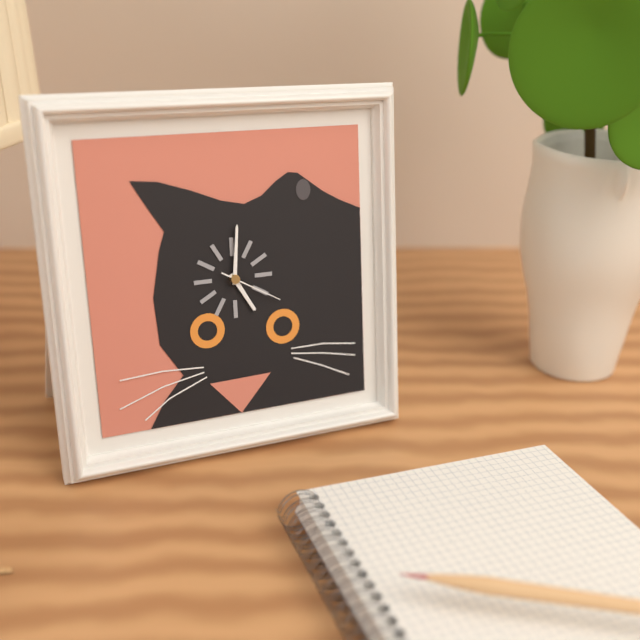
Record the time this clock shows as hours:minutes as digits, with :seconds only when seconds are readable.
5:01:20
